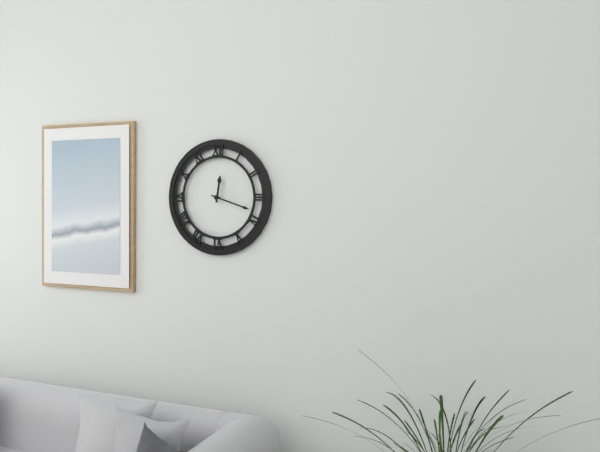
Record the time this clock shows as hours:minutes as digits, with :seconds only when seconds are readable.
12:18
